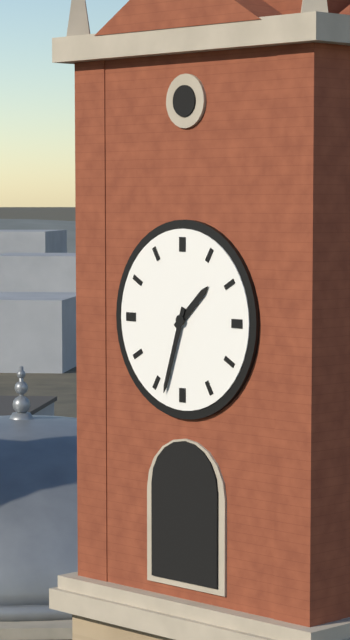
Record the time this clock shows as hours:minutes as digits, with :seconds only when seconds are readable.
1:33
